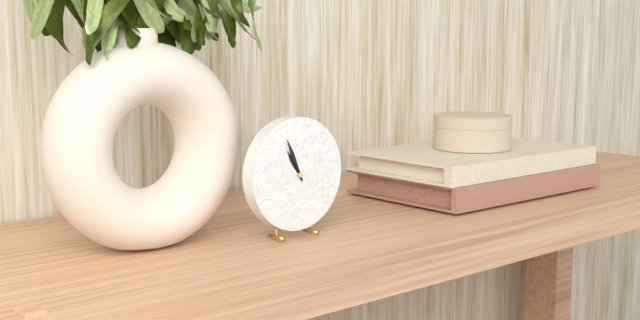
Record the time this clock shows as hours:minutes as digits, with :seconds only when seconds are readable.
10:56
